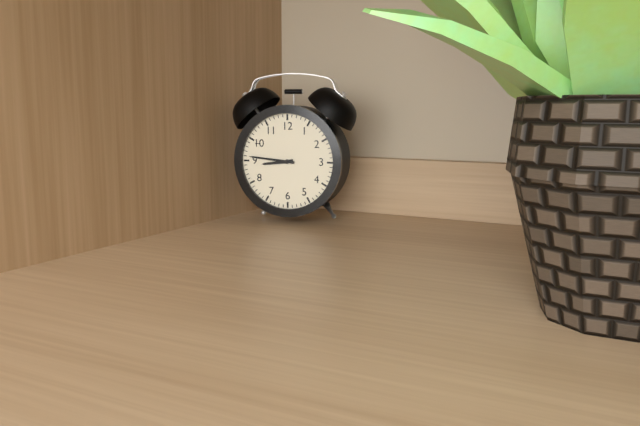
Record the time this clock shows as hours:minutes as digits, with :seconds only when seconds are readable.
8:46
